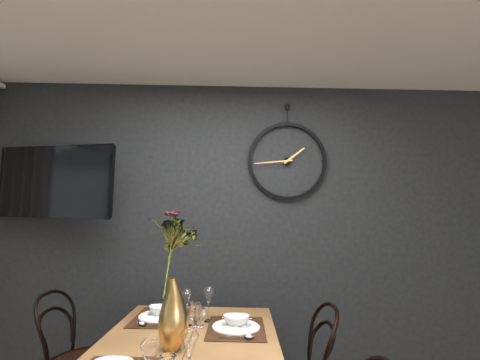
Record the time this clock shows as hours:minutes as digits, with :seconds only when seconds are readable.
1:44
